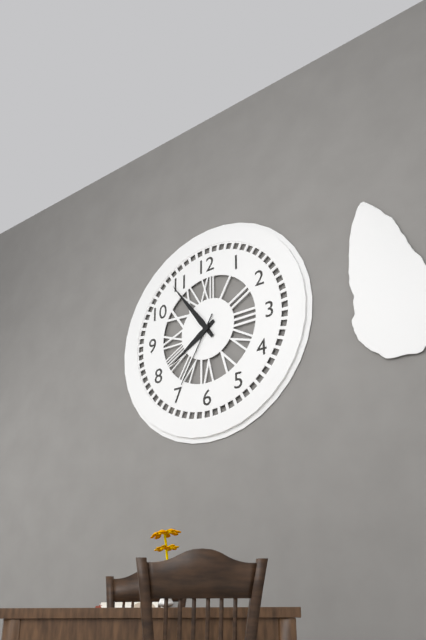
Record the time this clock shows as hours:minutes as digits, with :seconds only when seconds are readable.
7:54:35
